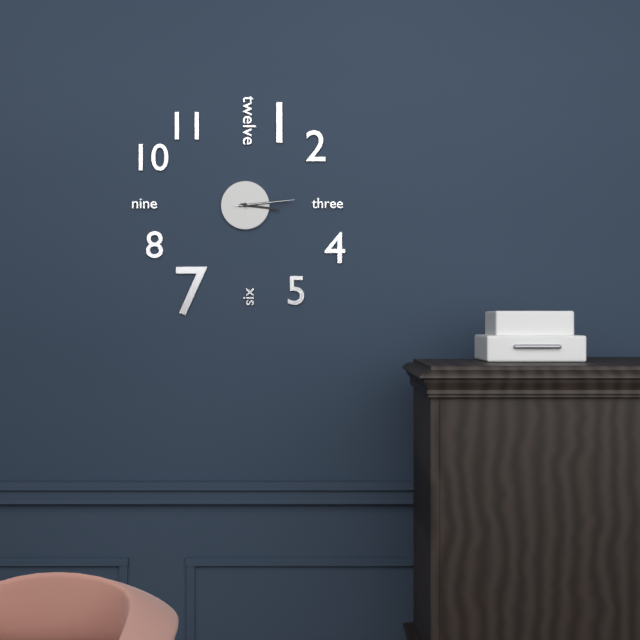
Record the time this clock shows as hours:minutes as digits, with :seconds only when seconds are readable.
3:14:14
